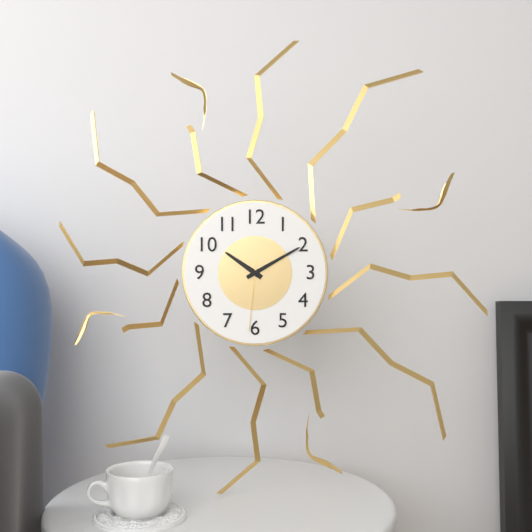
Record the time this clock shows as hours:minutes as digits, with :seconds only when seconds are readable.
10:10:31
